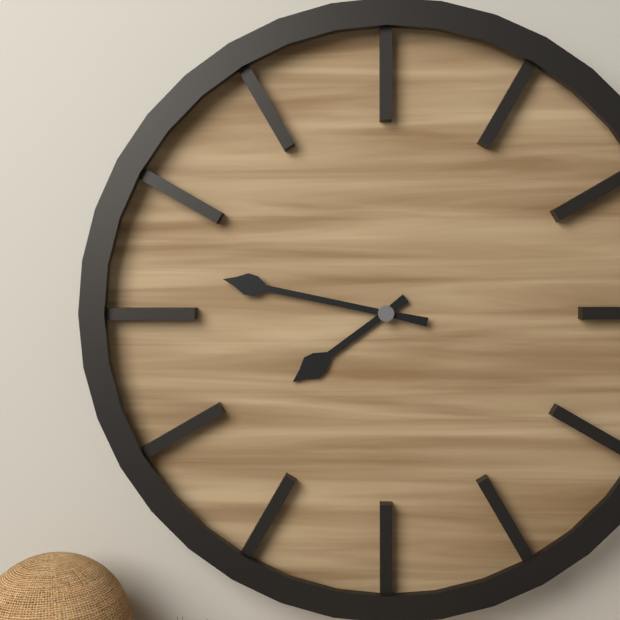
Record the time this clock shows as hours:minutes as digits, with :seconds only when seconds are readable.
7:47
